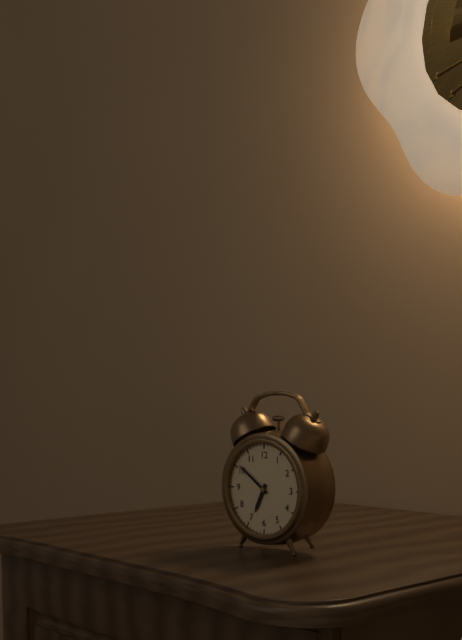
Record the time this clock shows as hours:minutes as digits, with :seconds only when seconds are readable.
6:51
